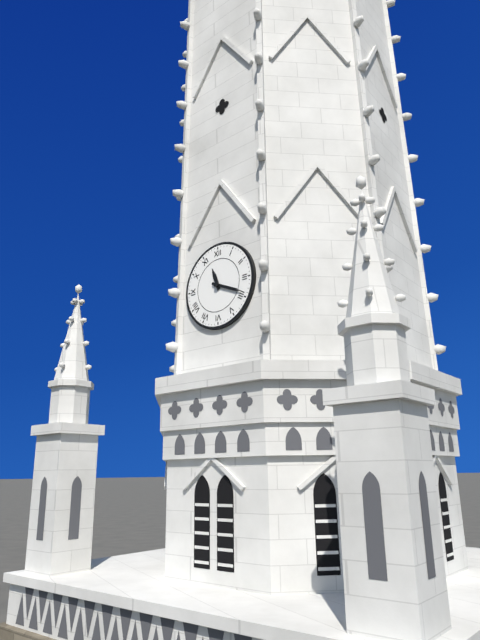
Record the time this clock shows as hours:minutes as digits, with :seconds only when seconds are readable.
11:19
